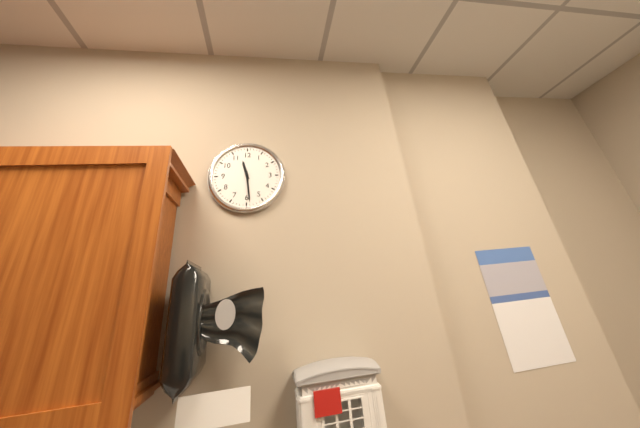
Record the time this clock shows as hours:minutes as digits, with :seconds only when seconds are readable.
11:29
